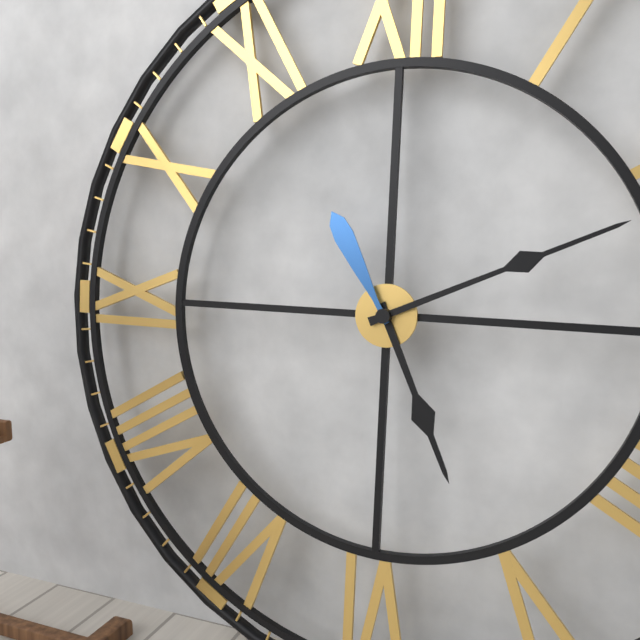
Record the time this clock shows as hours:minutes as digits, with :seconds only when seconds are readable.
5:11:55
